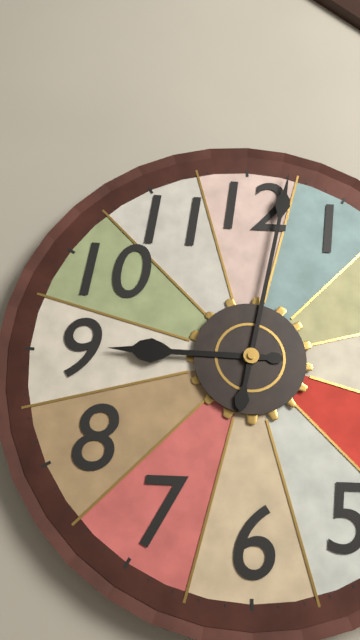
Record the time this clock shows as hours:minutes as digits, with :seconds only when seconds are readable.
9:02
